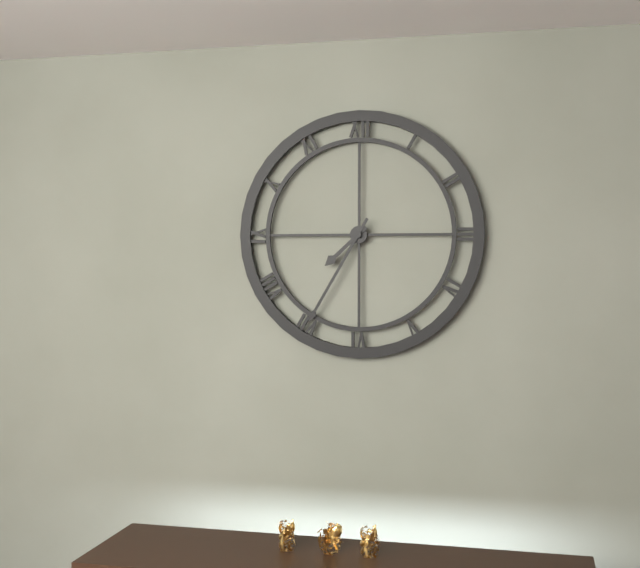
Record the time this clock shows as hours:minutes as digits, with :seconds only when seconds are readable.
7:35
